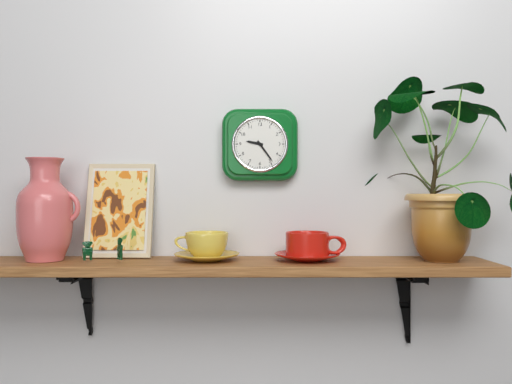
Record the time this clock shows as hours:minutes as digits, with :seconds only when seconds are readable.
9:24
